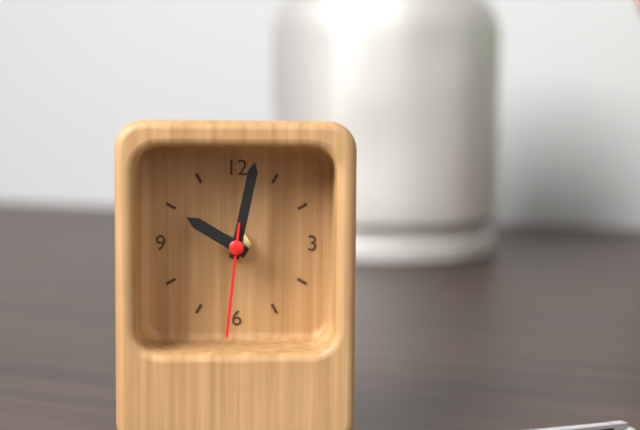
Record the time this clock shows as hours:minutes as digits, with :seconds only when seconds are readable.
10:02:31
